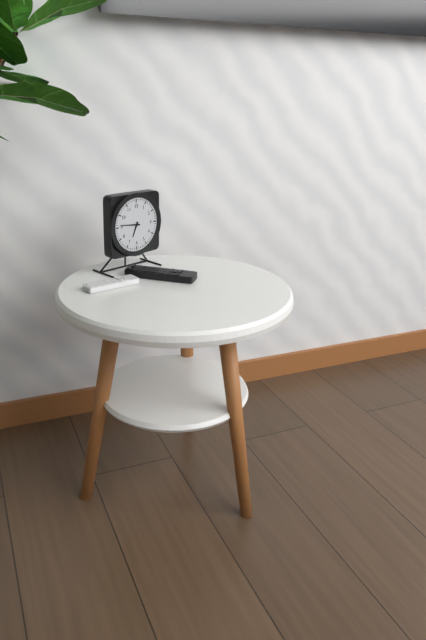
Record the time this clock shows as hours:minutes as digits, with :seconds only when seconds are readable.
6:46
